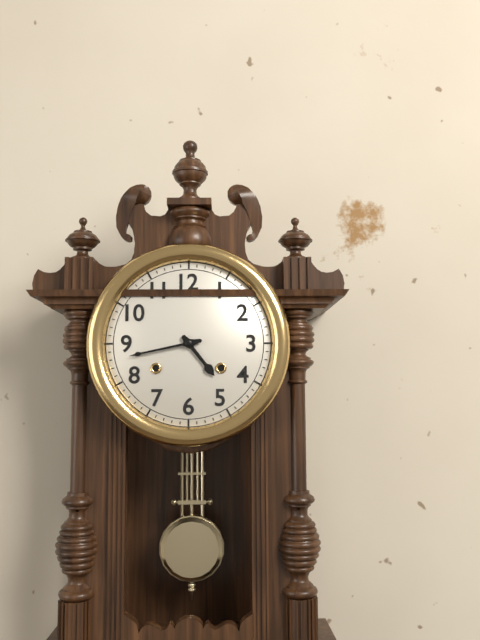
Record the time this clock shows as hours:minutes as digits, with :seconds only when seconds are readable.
4:43
